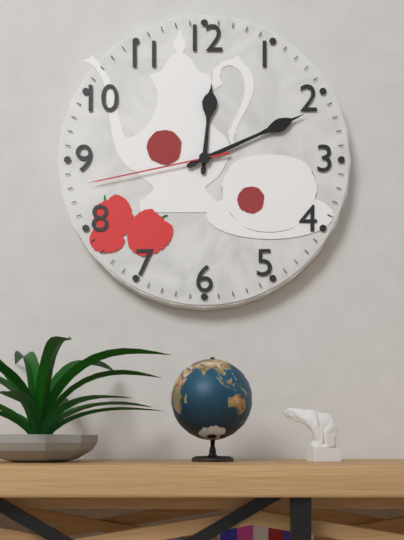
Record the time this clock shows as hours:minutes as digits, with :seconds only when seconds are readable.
12:11:43
